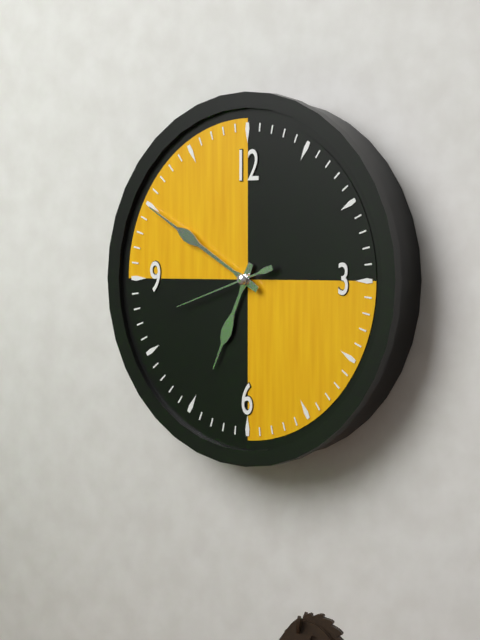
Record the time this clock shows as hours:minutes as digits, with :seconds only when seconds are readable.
6:50:42
